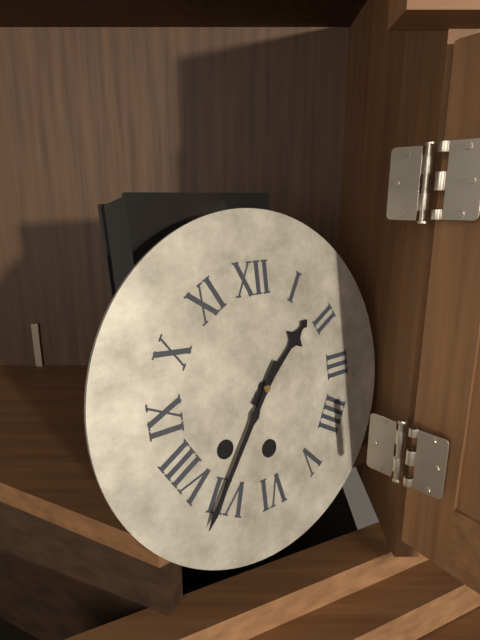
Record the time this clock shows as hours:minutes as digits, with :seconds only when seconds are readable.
1:36
